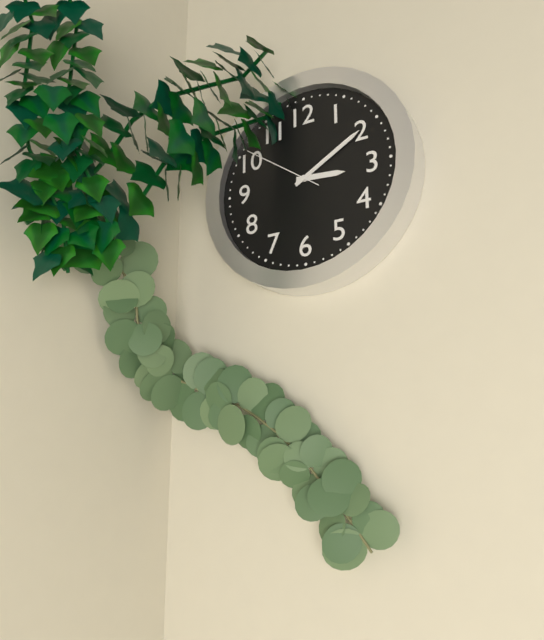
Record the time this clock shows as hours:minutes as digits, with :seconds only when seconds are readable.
3:10:51
